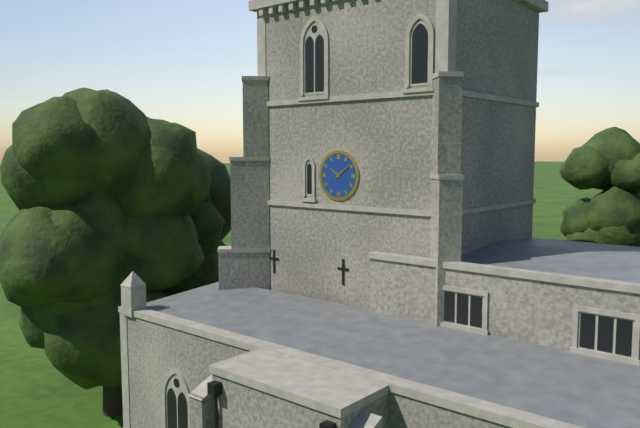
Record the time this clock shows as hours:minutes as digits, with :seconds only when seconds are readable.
10:09
